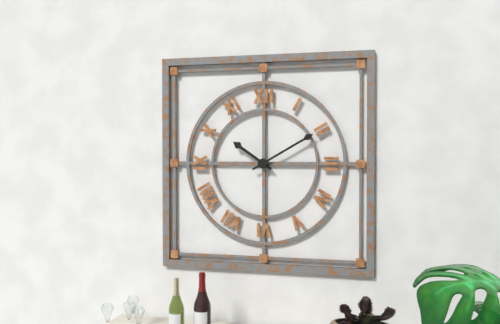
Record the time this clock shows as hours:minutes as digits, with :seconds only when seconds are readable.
10:10
